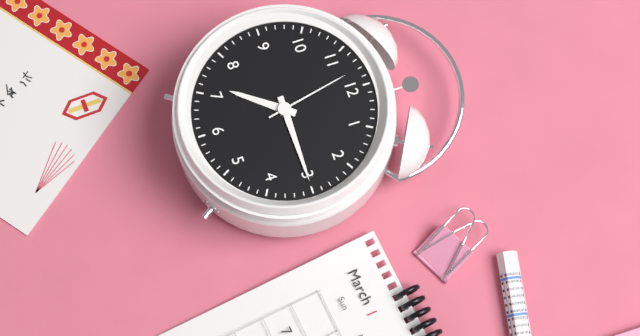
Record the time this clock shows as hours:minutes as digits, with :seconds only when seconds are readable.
7:15:58
